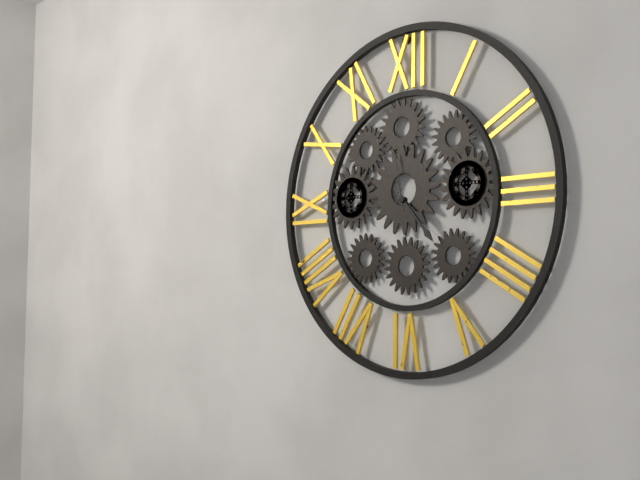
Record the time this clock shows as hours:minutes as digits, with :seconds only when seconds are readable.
4:23:58
